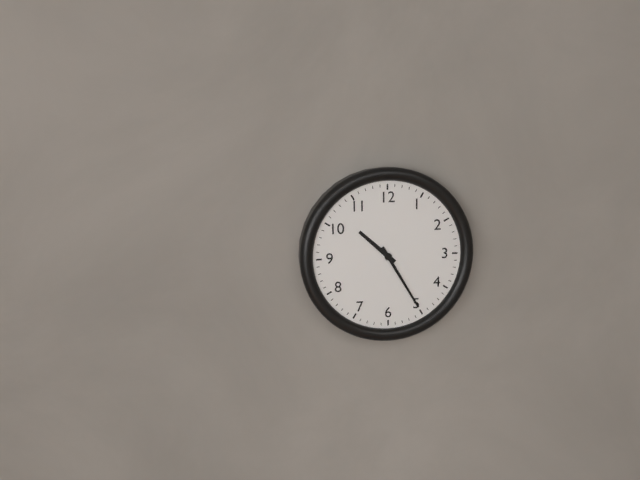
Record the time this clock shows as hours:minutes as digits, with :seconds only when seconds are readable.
10:25
